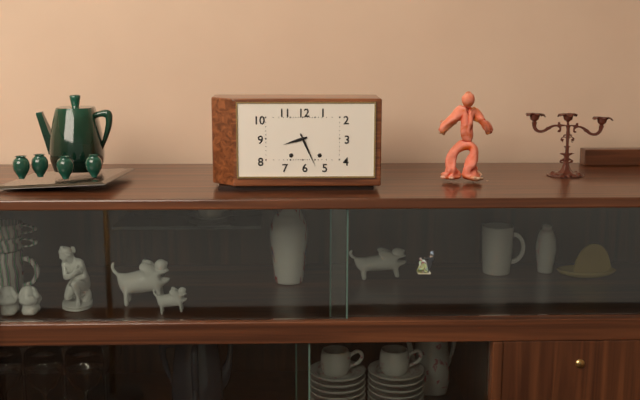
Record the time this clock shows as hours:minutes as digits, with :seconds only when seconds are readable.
8:26
